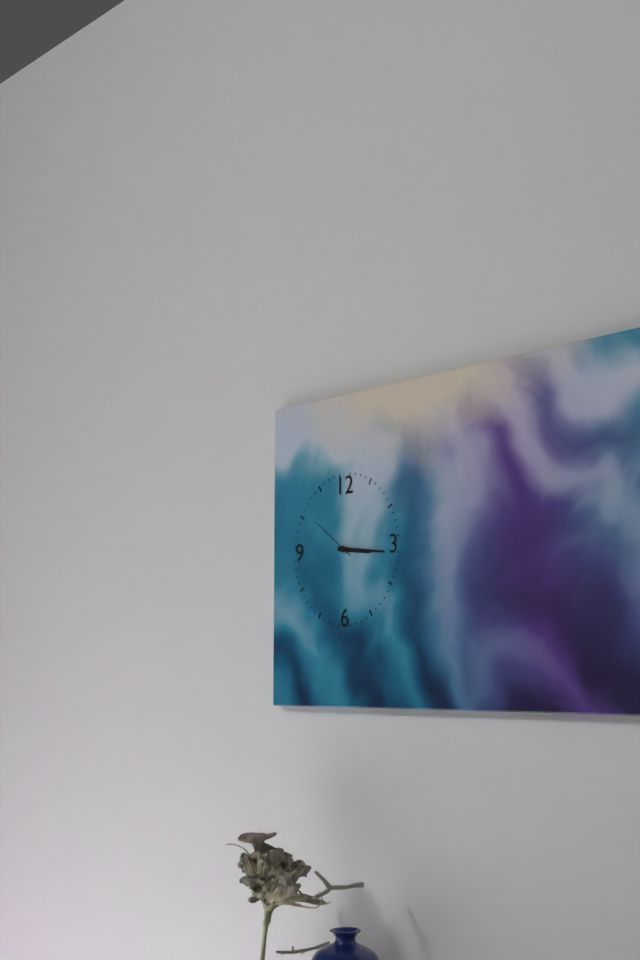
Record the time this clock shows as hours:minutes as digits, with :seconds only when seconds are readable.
3:16
